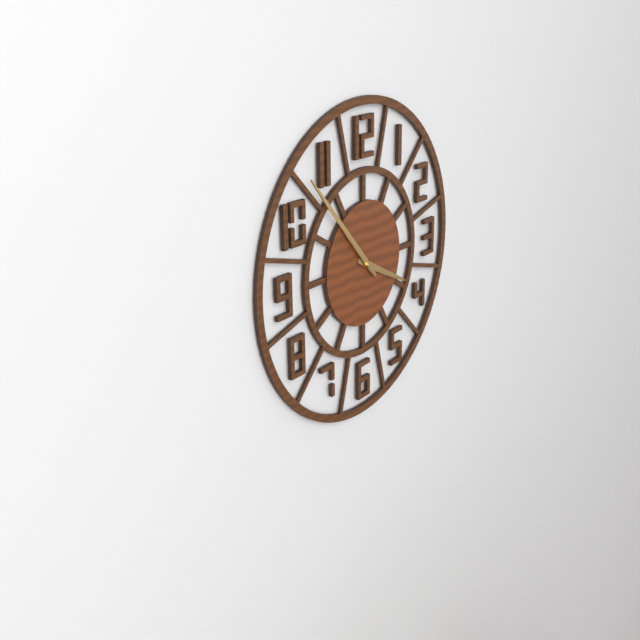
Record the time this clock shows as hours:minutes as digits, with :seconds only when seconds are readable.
3:53
